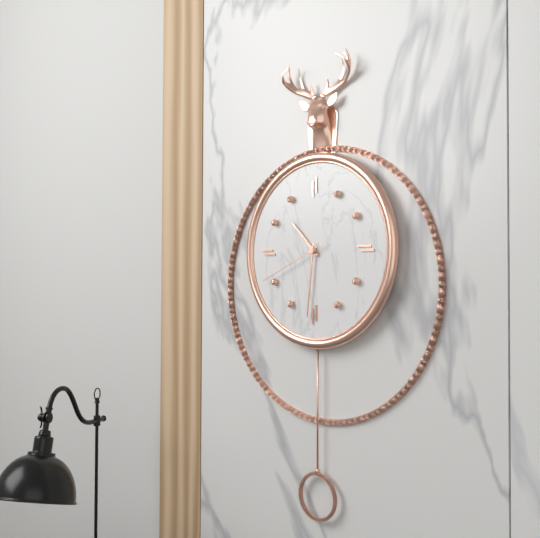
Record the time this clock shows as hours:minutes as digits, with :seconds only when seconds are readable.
10:31:41
